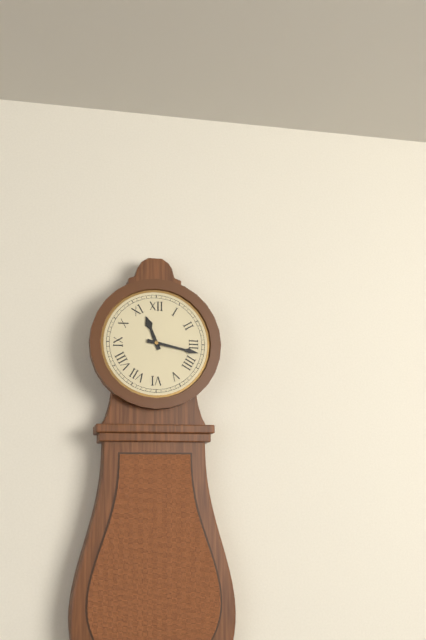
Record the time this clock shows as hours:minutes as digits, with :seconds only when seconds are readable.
11:17
